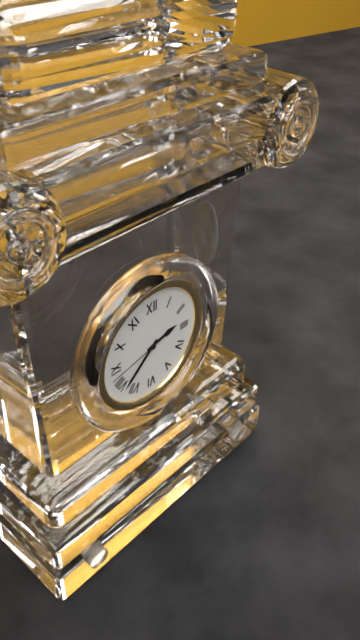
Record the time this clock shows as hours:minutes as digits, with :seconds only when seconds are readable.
2:38:43
